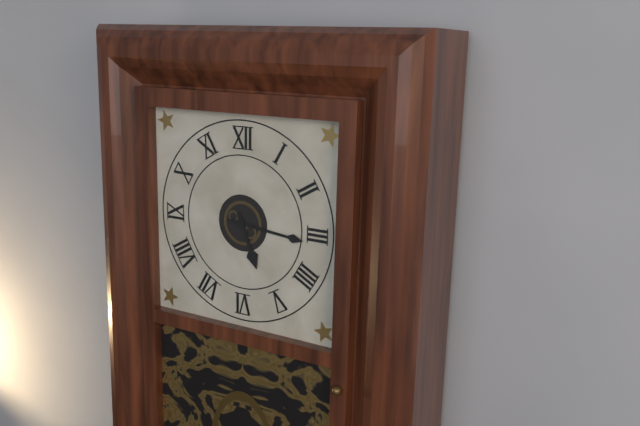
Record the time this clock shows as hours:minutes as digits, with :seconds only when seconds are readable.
5:16
